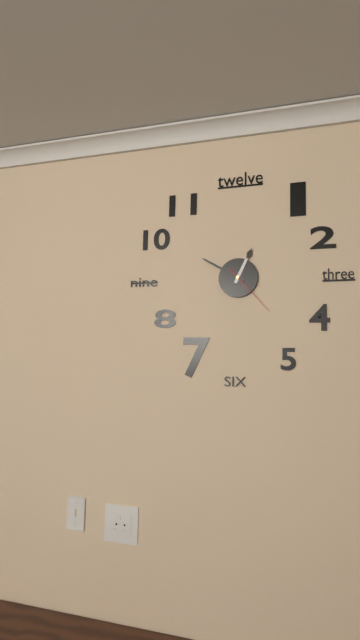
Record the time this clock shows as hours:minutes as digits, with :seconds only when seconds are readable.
12:50:23
